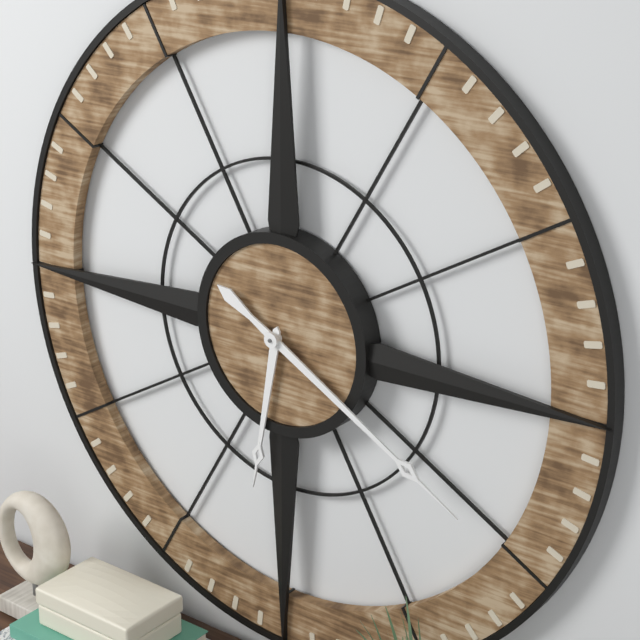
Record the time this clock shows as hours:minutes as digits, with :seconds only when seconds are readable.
6:20
